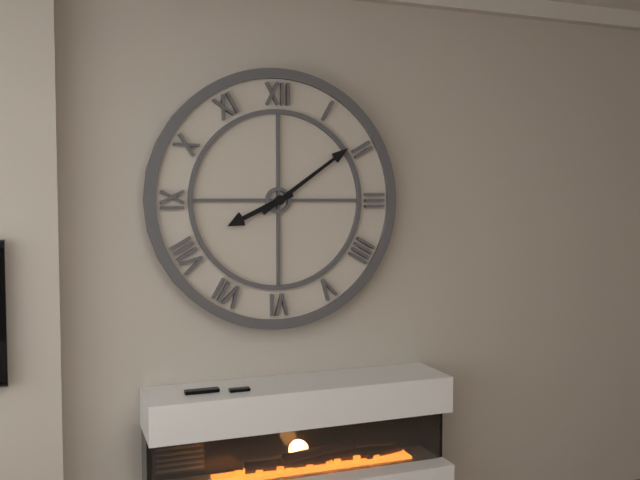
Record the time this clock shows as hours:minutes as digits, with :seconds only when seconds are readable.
8:09
